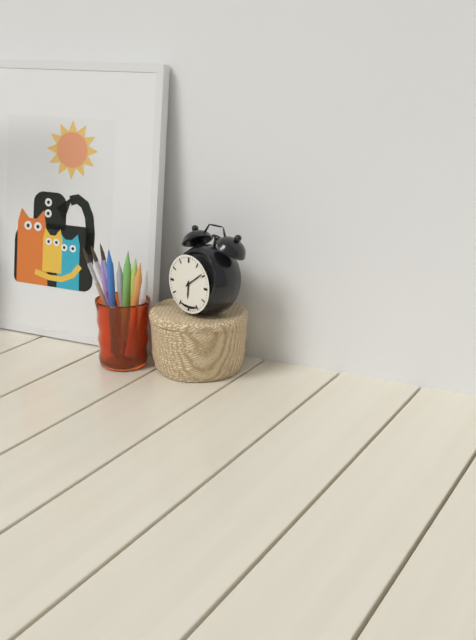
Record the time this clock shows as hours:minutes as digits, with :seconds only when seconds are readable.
6:09
